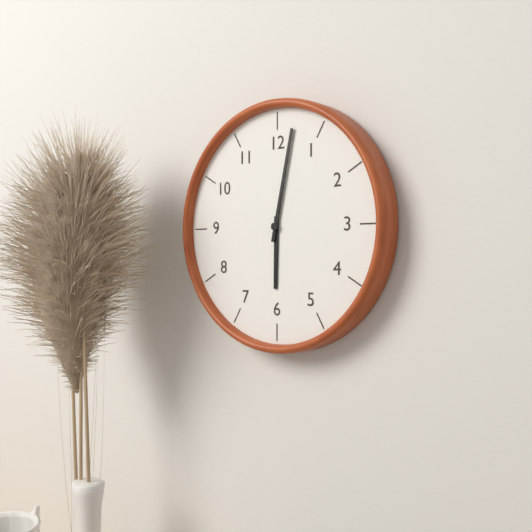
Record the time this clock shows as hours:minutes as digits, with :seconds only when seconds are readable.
6:02
